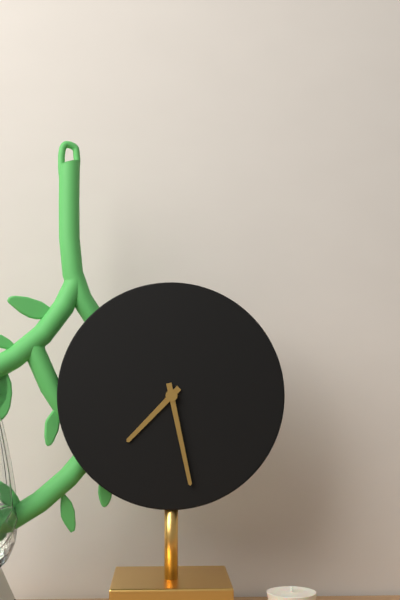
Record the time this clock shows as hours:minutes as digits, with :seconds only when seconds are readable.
7:28
